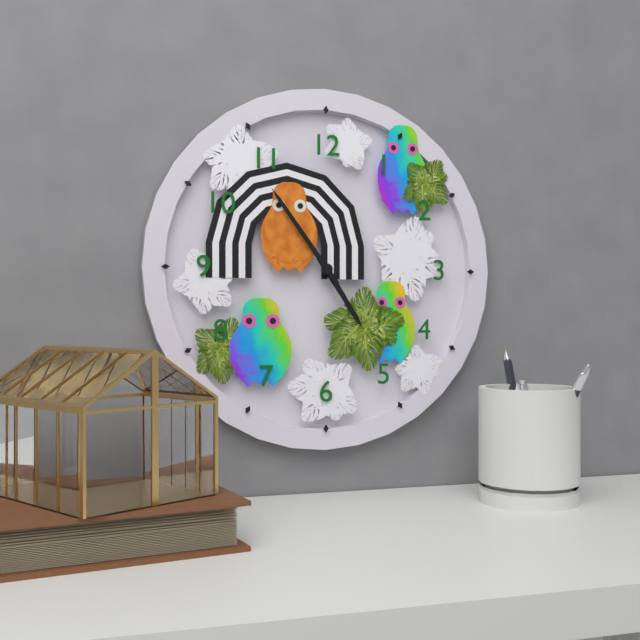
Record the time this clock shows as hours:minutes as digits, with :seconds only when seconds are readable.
4:54
